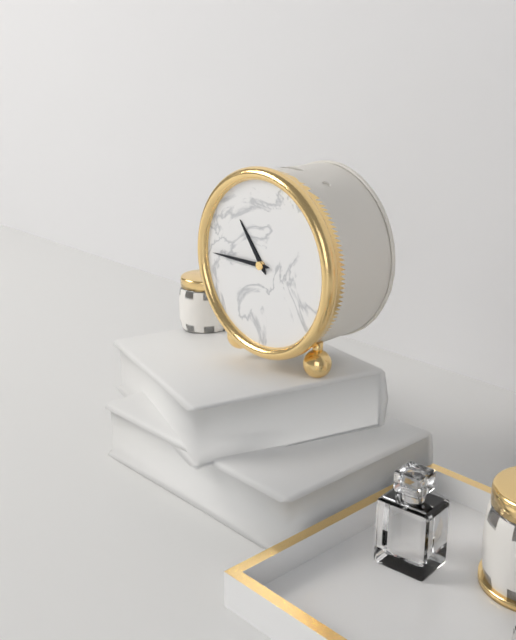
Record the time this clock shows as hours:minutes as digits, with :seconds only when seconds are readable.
10:45
